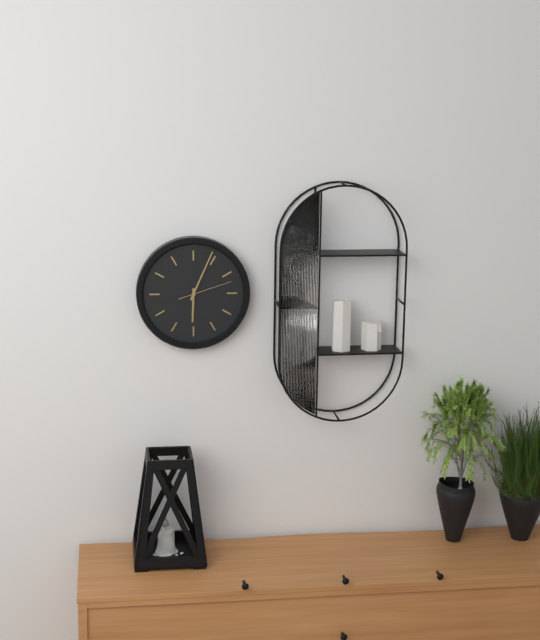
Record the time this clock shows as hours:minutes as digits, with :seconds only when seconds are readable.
6:04
